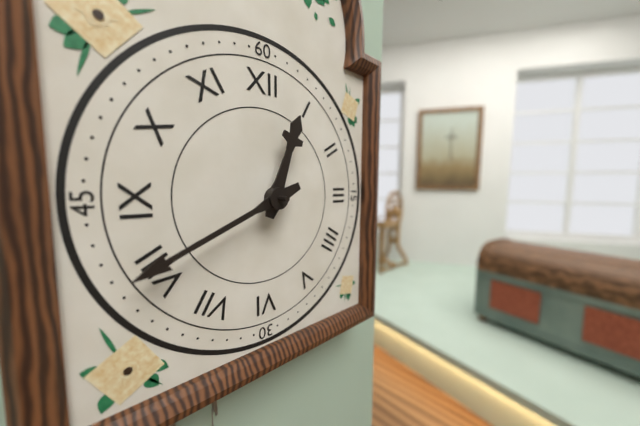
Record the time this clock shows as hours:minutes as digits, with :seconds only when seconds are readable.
12:41
